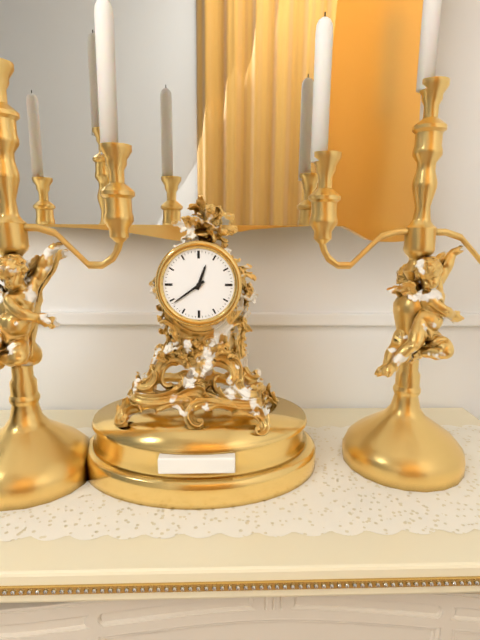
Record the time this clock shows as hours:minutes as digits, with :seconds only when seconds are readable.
12:39
